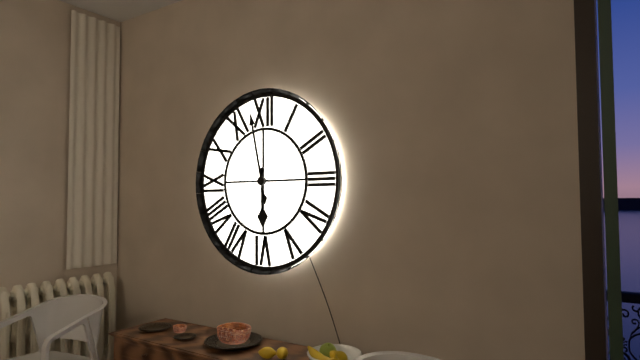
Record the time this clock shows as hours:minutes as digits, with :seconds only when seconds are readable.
5:58
